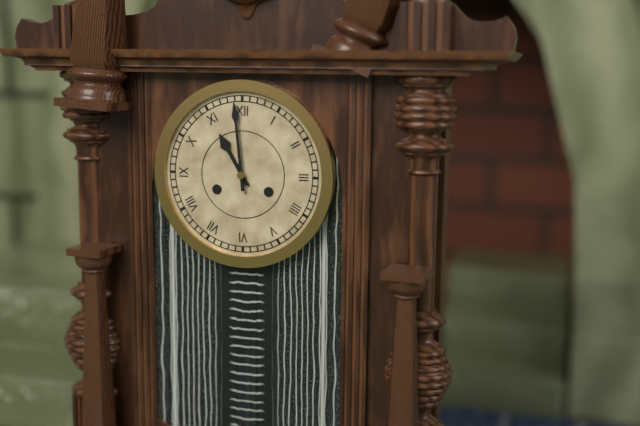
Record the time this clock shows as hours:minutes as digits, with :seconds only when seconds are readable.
10:59
